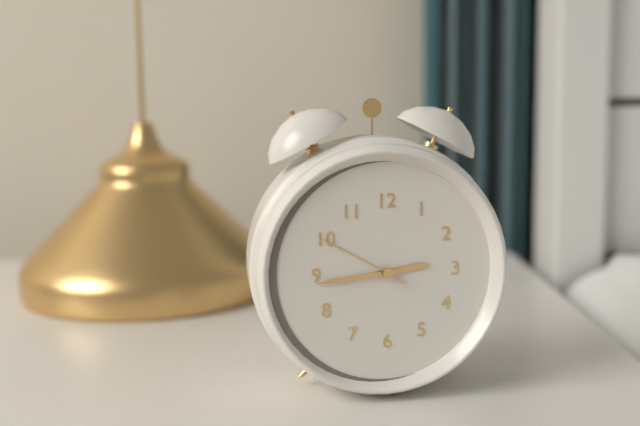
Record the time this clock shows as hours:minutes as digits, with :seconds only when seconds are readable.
2:44:50
